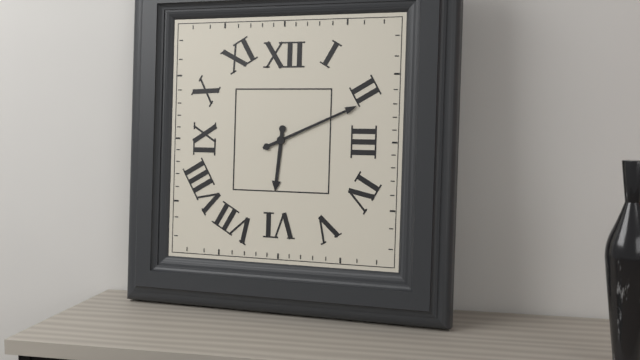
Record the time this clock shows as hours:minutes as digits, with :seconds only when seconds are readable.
6:11
